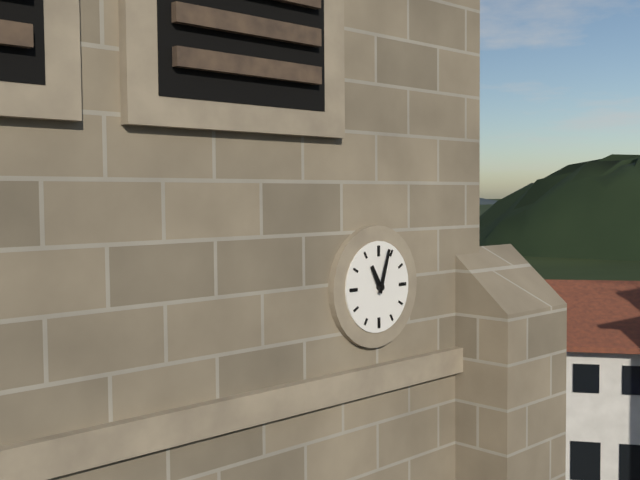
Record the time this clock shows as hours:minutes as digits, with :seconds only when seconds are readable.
11:03
